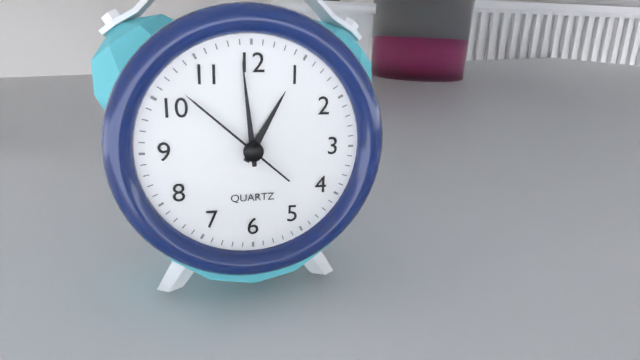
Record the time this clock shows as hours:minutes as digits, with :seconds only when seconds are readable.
12:59:52
